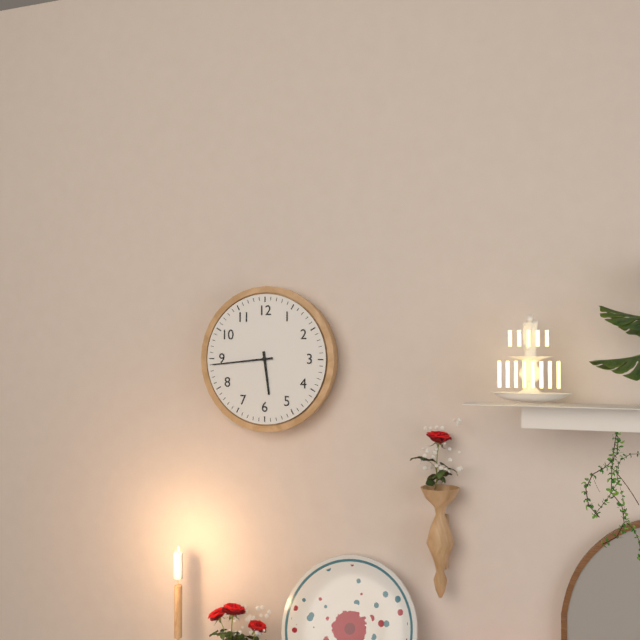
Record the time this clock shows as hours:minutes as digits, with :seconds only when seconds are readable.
5:44
